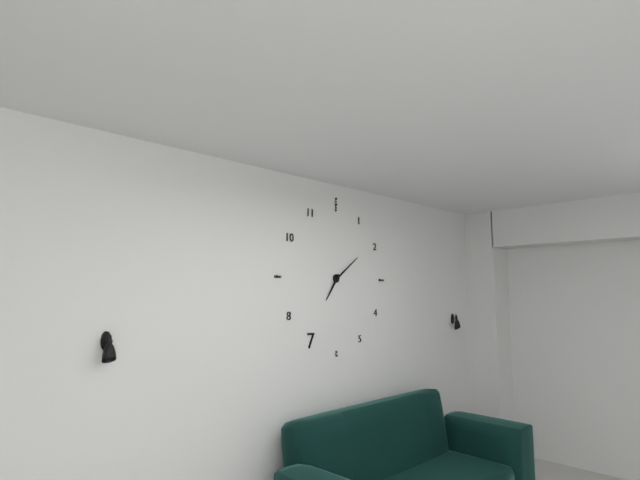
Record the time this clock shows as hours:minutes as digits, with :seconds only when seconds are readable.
7:09
